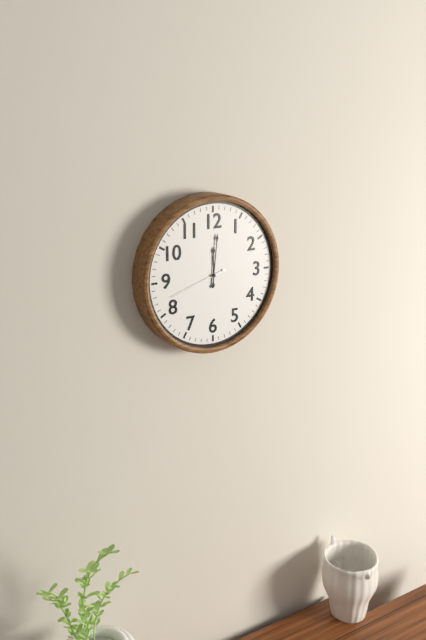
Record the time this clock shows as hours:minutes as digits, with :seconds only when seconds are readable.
12:01:42
